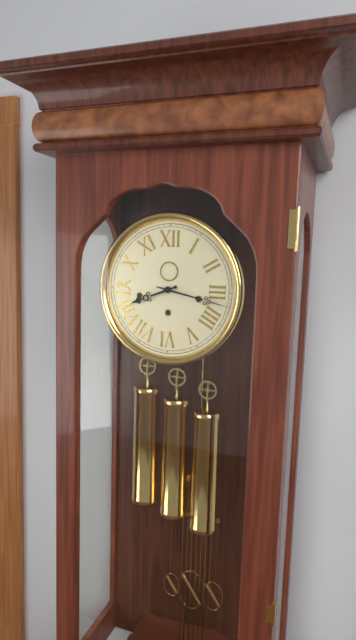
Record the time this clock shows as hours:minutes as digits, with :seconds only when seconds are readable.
8:17
